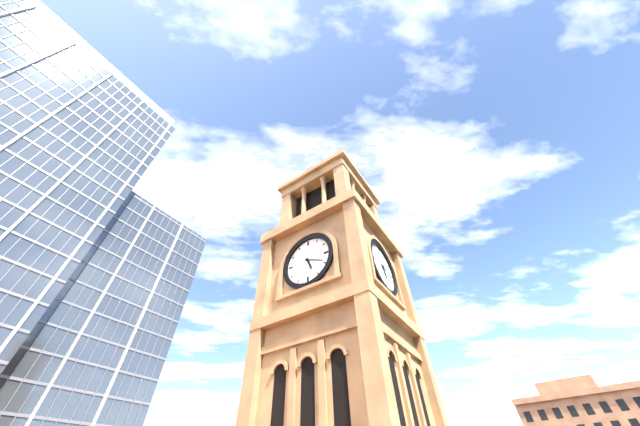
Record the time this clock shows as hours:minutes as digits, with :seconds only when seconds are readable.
5:19
